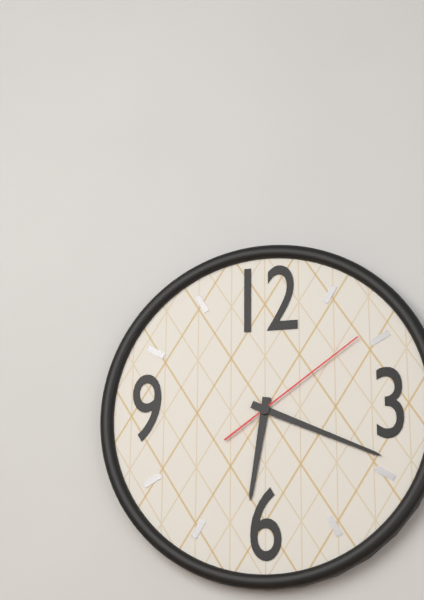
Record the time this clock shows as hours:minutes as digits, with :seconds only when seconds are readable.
6:19:09
